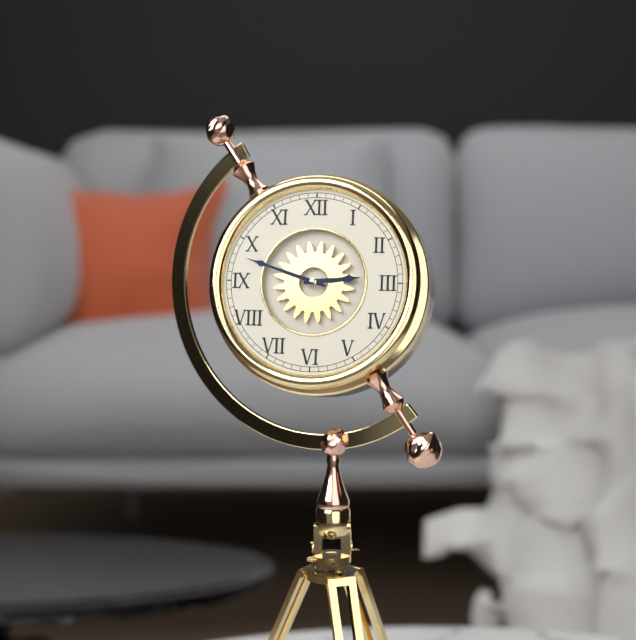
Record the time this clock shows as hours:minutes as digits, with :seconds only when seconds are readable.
2:48
